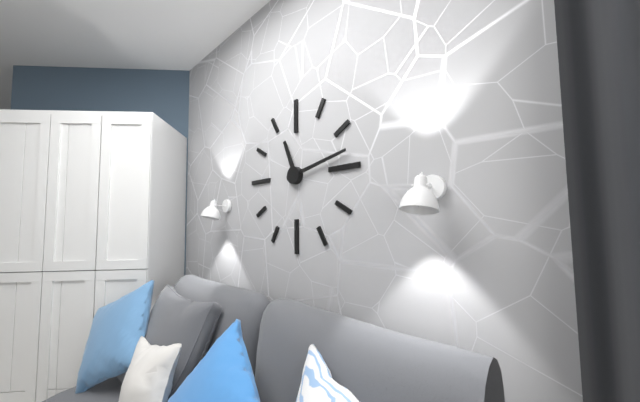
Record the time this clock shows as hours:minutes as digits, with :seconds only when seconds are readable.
11:13
